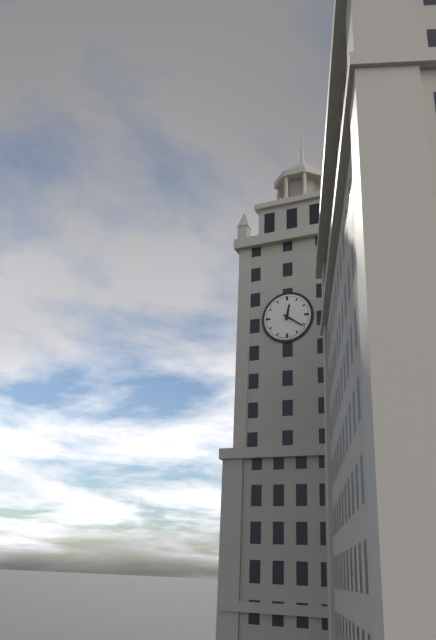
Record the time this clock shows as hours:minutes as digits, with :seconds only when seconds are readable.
12:21
